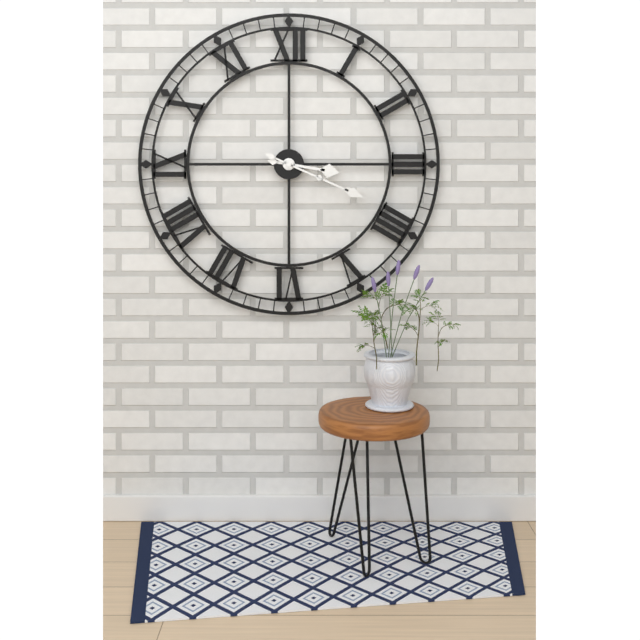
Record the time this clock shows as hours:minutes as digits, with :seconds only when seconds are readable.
3:19
